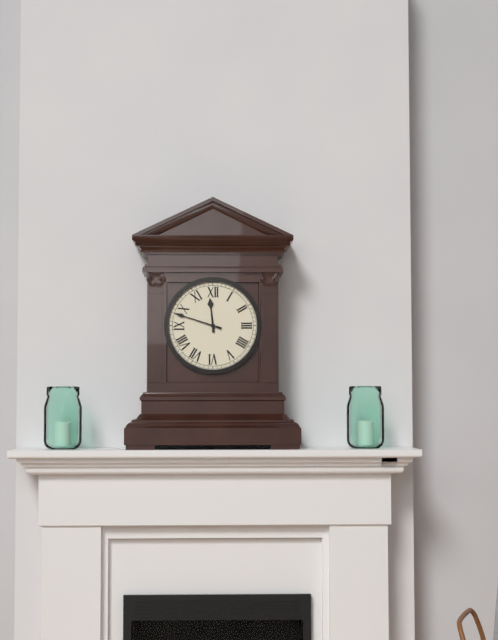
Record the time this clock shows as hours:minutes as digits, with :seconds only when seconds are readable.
11:48
